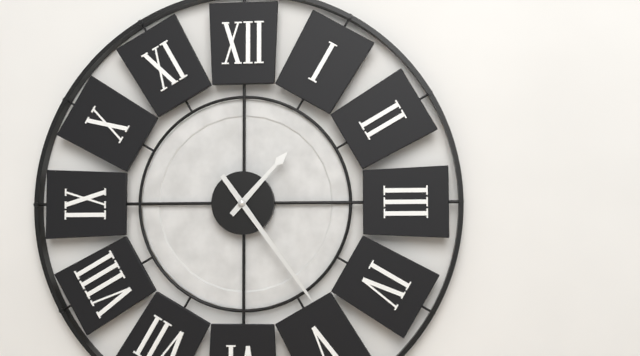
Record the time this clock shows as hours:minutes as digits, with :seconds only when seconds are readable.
1:24
